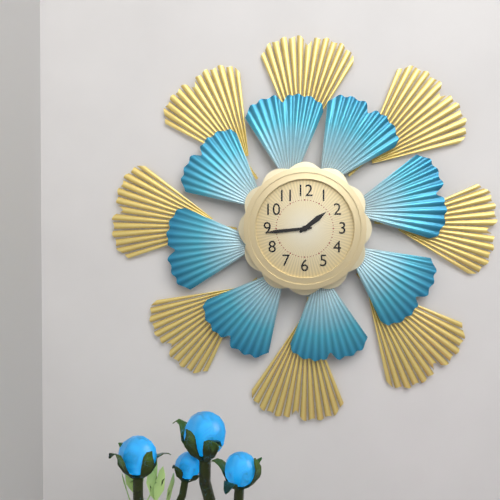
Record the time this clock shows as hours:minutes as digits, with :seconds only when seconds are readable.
1:44
